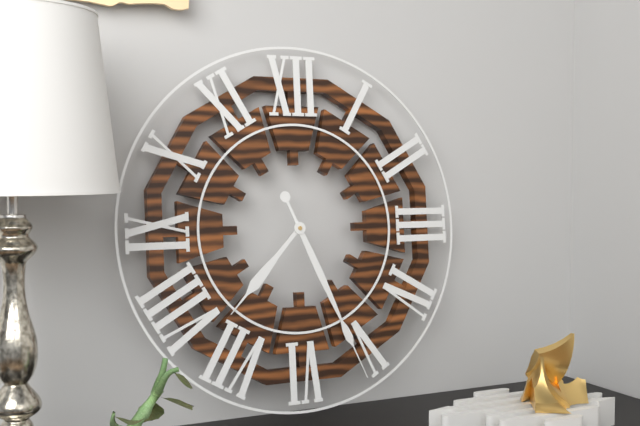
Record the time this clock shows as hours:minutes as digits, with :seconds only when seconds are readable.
7:26
